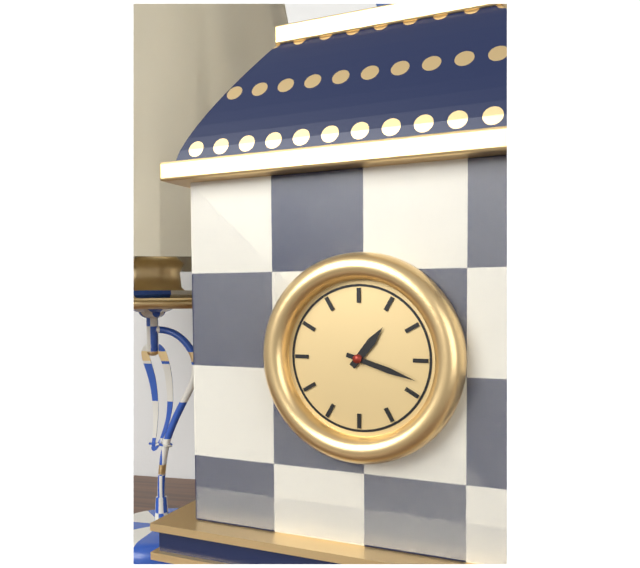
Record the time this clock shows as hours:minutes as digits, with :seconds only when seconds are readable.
1:18
